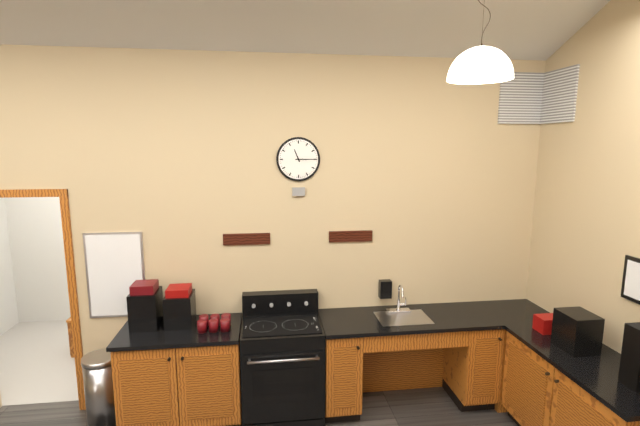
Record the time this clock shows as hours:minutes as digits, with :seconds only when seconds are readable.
11:15
